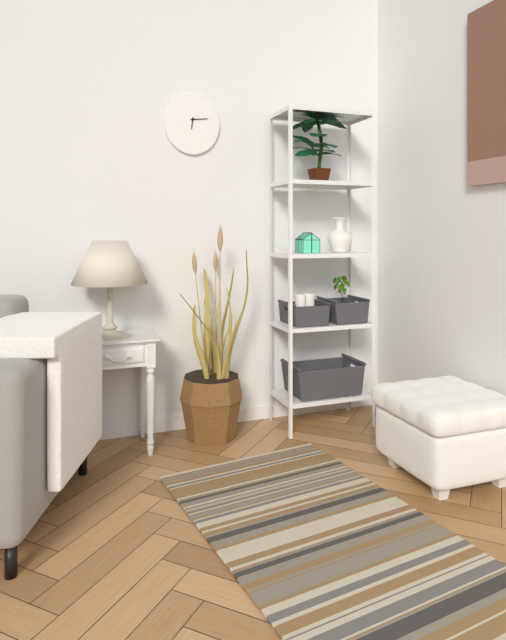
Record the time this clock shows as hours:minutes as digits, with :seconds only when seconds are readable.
6:14
